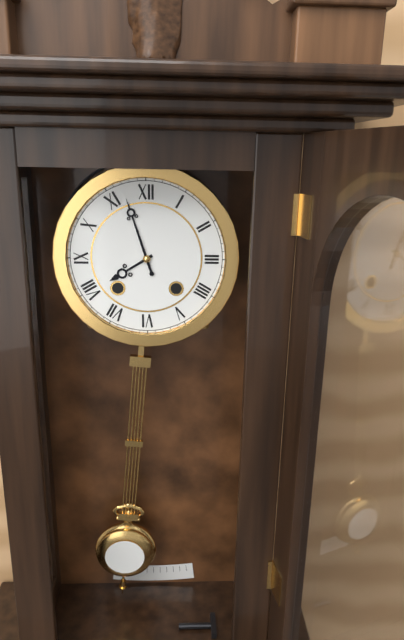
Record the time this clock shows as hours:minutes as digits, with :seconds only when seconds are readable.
7:57
